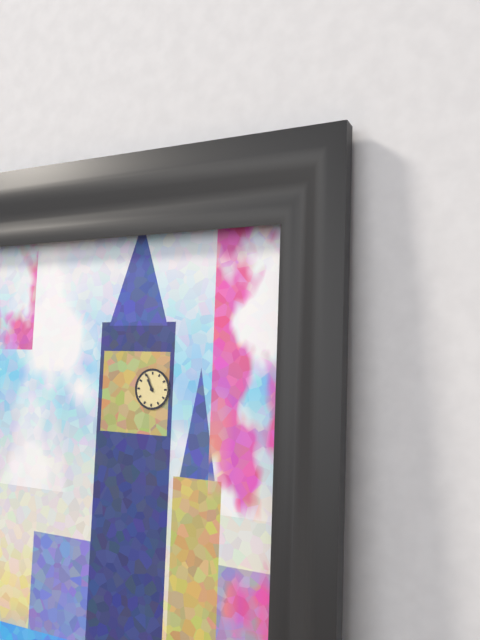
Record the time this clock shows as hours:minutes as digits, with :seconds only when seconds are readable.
10:56
